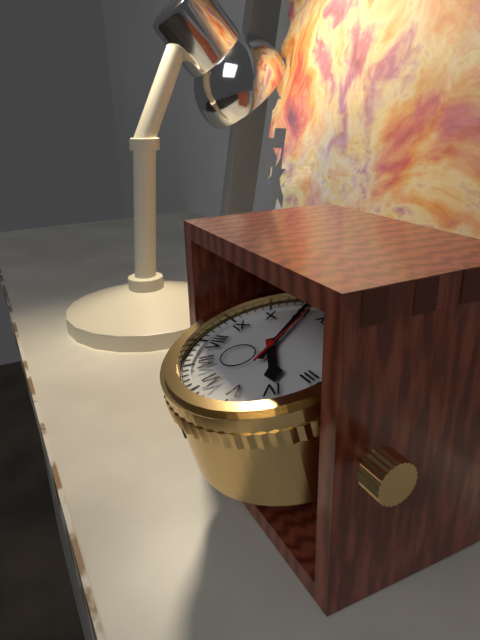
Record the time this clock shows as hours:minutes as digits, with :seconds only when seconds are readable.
3:55:56
